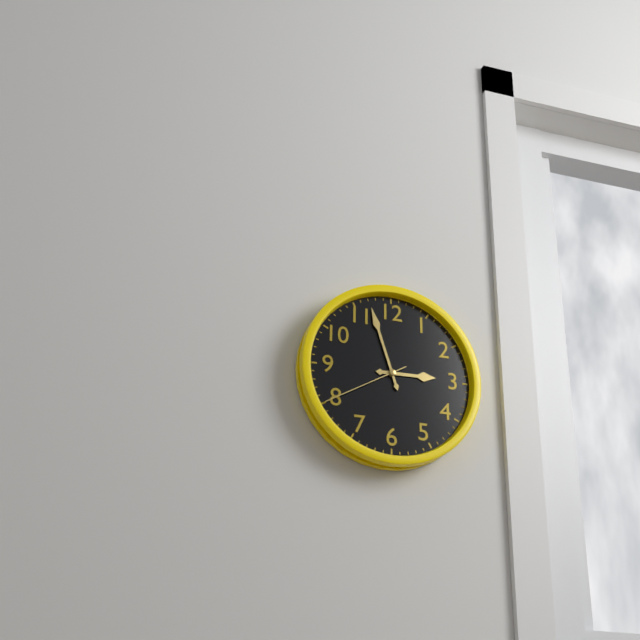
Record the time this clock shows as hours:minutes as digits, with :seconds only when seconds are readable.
2:57:40
